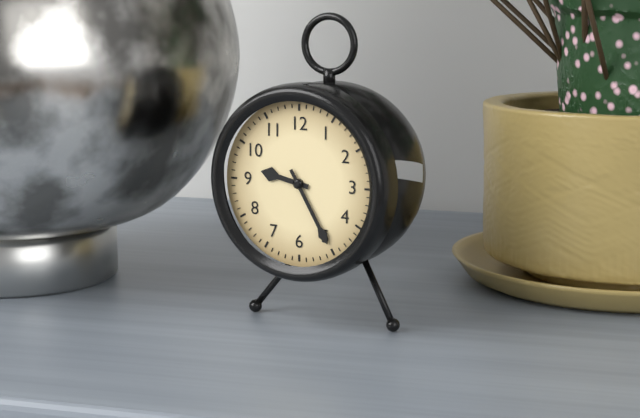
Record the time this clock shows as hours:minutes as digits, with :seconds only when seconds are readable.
9:25
